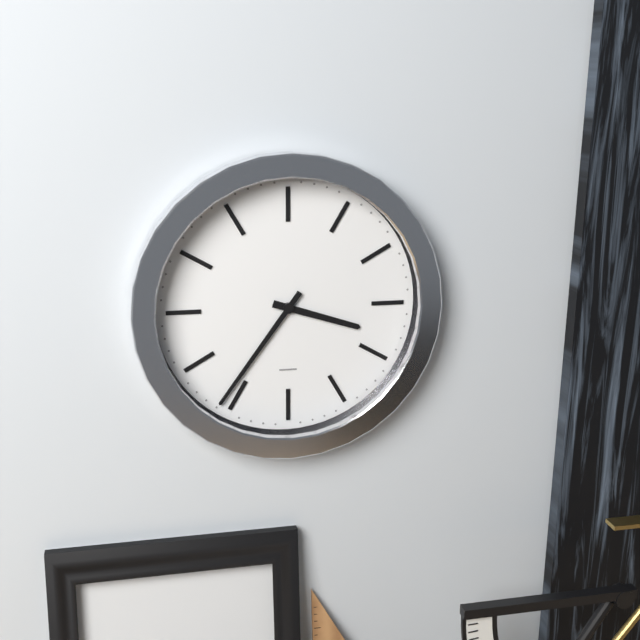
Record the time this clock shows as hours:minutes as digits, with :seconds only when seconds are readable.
3:36
